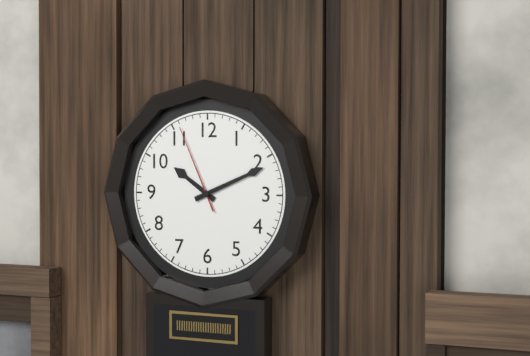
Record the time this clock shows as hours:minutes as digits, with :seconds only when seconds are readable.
10:11:56
